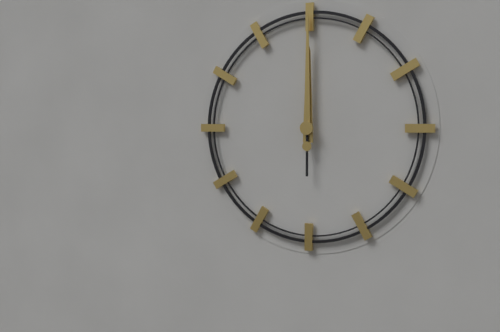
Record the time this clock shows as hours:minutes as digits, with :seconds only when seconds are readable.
12:00
